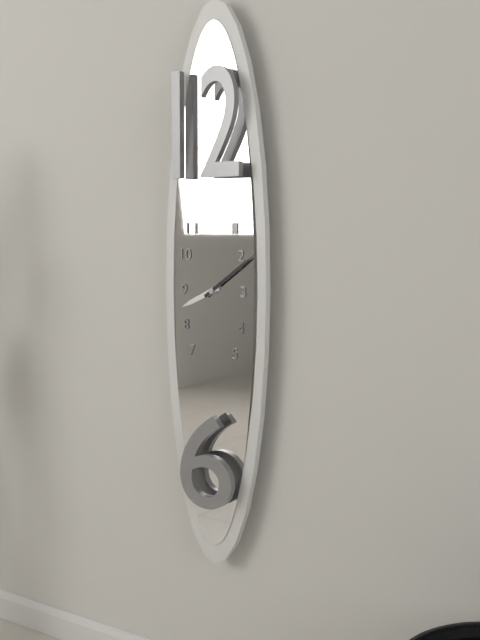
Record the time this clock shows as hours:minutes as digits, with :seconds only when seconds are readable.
8:09
